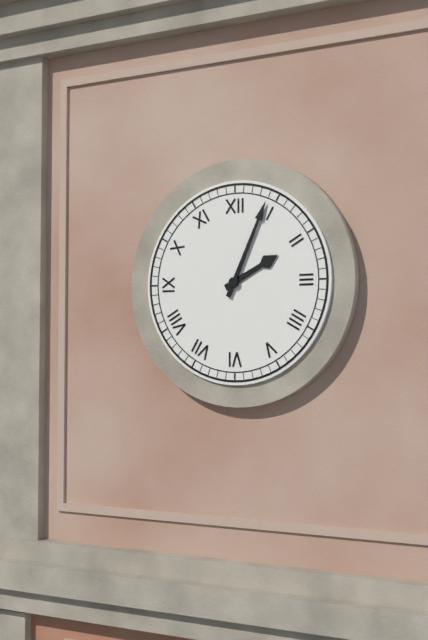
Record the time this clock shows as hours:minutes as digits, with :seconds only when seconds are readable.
2:04
